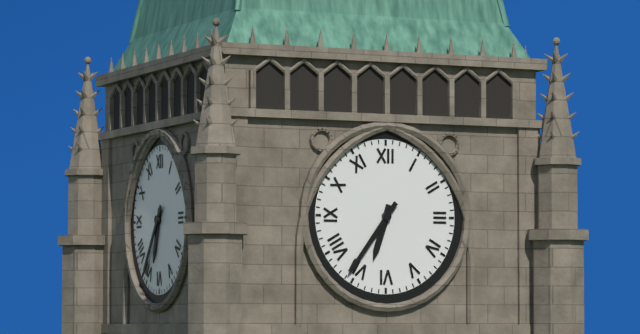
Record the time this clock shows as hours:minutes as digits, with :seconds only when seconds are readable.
6:36
